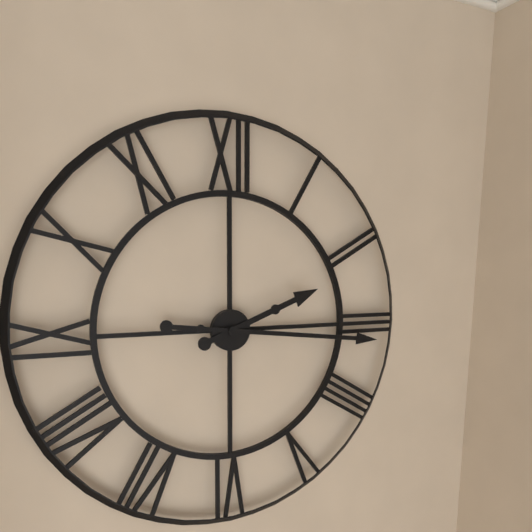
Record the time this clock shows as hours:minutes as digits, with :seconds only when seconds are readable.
2:16
